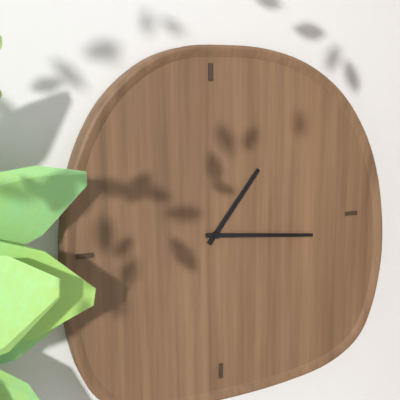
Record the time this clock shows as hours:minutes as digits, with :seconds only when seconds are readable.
1:16
